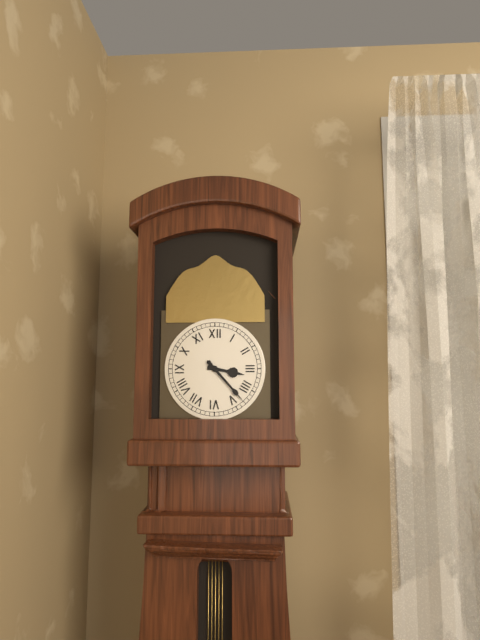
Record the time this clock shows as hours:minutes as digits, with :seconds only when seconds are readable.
3:23
